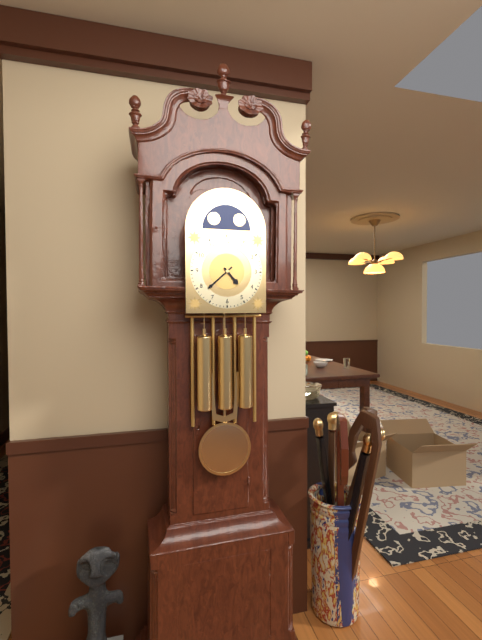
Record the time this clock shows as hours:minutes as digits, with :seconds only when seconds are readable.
4:38
